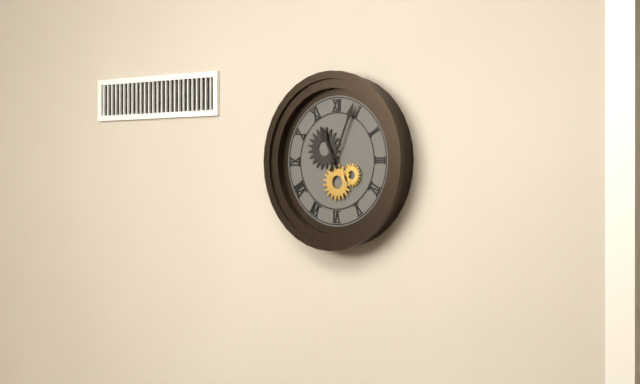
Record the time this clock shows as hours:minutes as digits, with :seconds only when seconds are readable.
11:04
